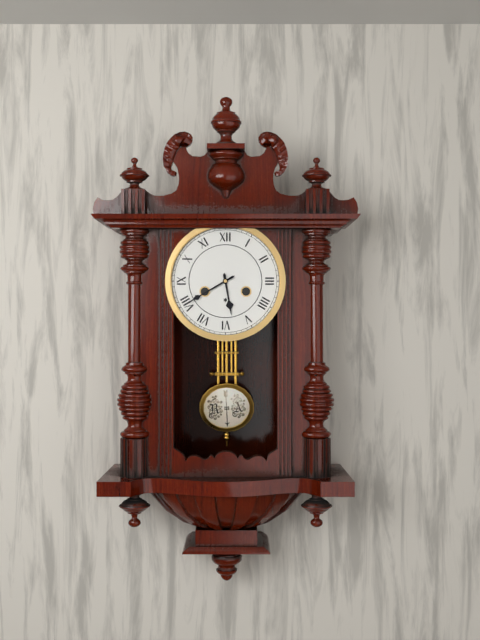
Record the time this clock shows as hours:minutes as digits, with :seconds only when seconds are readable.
5:40
